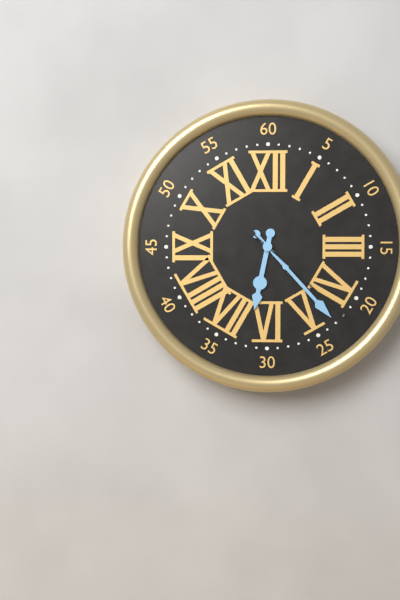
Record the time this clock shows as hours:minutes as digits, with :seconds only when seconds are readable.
6:23:22
